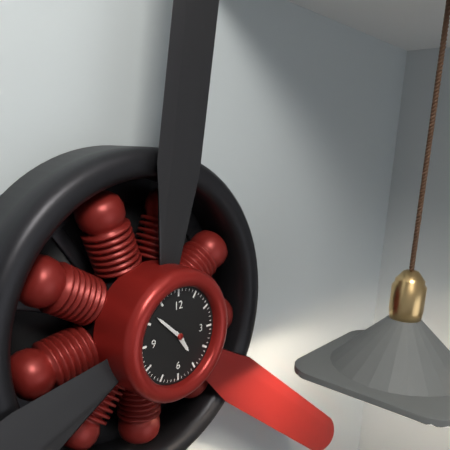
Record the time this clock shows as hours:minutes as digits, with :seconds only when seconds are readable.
4:52
